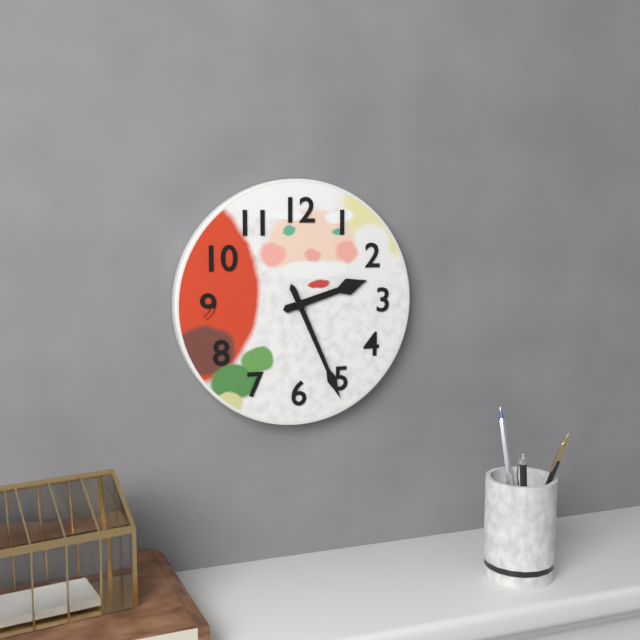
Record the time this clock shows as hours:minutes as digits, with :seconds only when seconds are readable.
2:26
